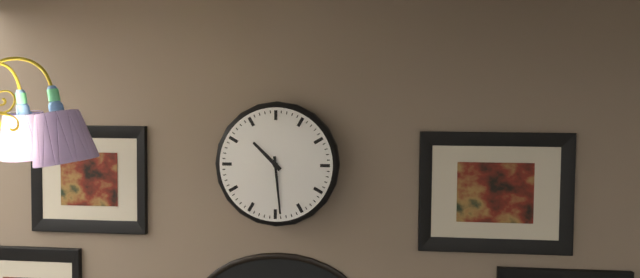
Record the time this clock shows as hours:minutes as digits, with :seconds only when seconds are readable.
10:29
